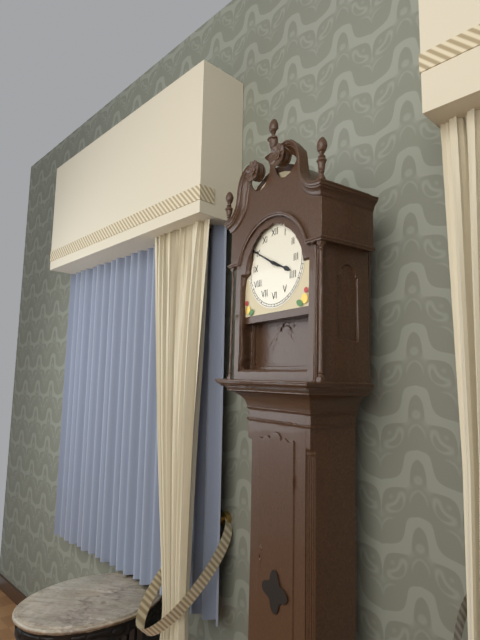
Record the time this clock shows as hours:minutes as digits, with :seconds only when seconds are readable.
3:50
